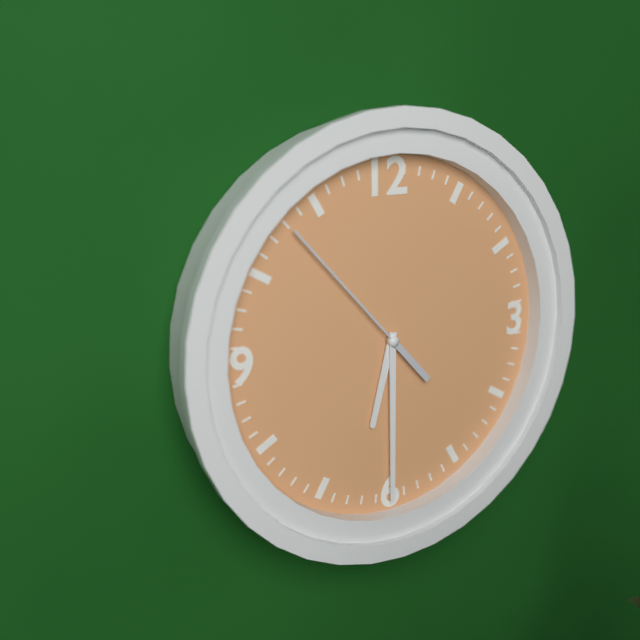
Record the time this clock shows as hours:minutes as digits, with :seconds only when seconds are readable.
6:30:53
